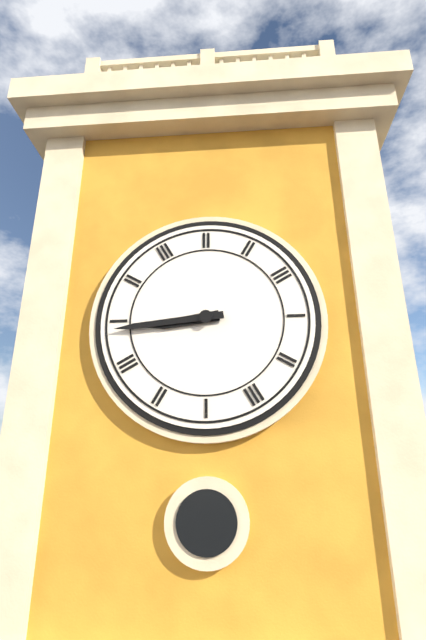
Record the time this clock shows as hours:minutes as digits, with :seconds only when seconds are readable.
8:44
